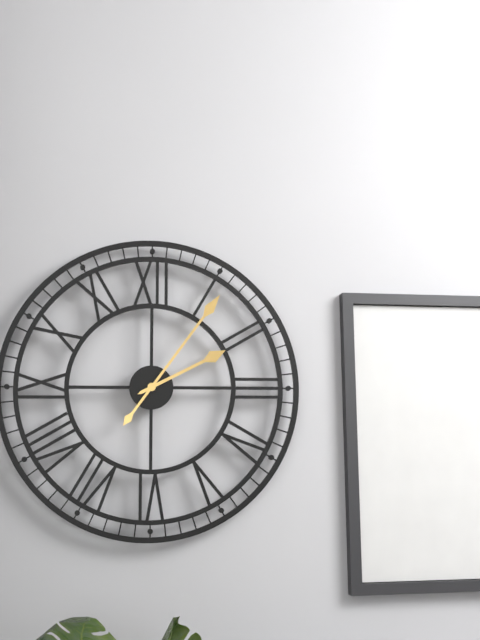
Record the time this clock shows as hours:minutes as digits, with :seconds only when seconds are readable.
2:06
